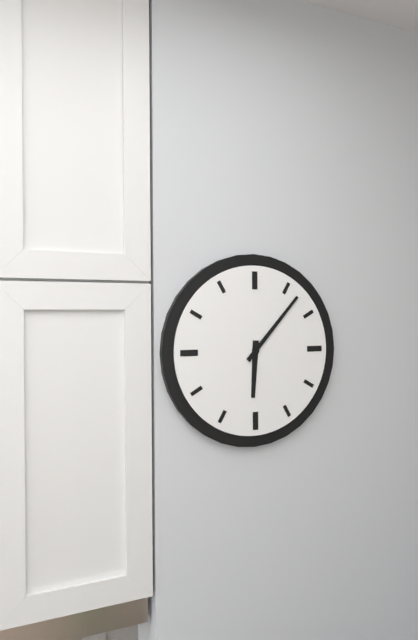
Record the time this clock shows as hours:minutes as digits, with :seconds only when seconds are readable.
6:07
